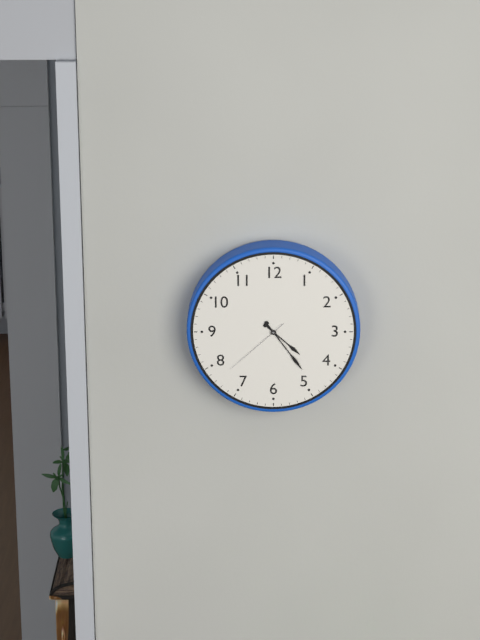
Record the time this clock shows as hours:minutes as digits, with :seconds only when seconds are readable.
4:24:38
